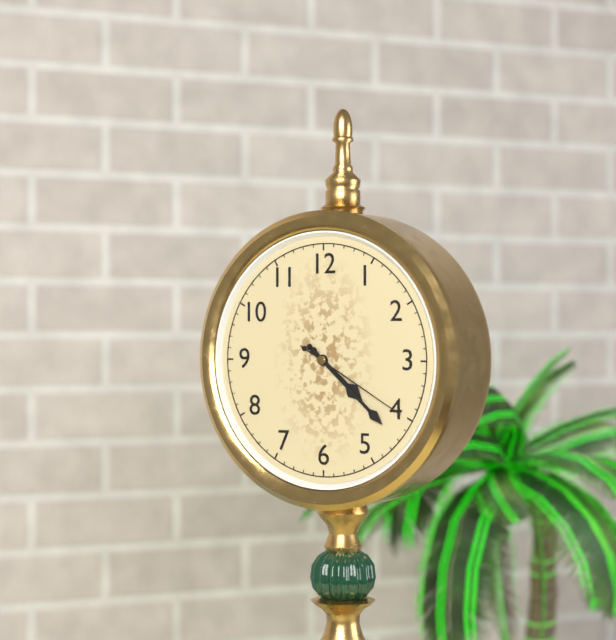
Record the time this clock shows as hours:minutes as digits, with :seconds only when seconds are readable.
4:22:20
